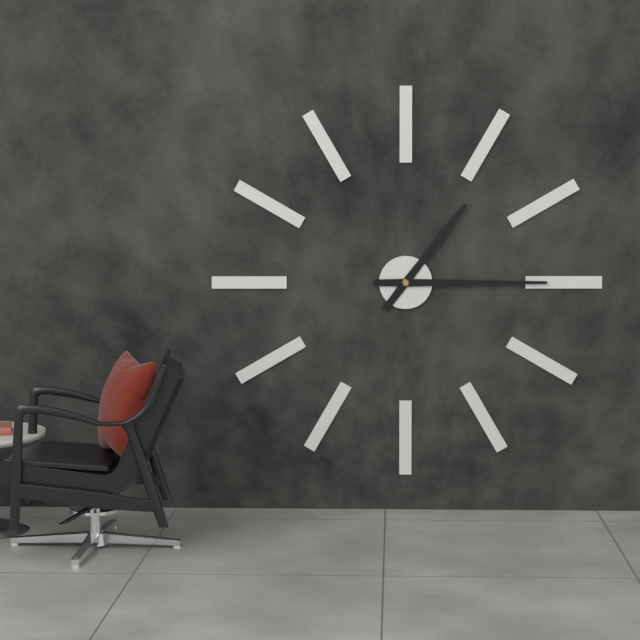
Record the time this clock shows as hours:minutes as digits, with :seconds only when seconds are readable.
1:15
